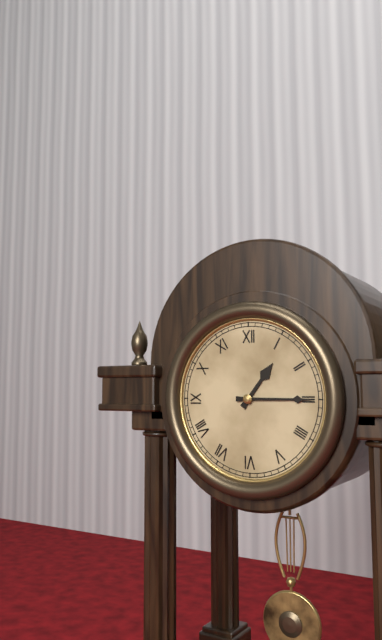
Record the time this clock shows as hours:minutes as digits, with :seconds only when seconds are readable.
1:15
